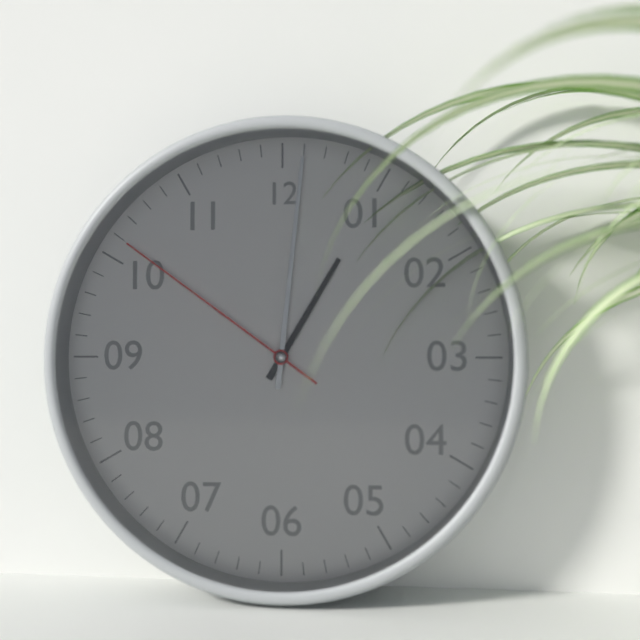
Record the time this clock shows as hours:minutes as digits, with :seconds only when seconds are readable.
1:01:51
